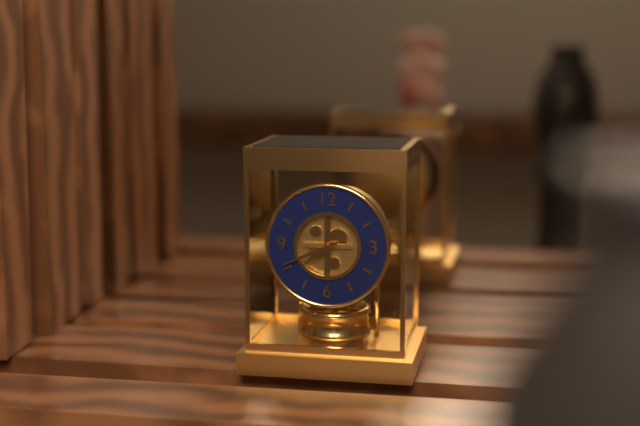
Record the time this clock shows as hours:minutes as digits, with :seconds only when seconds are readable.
7:41
